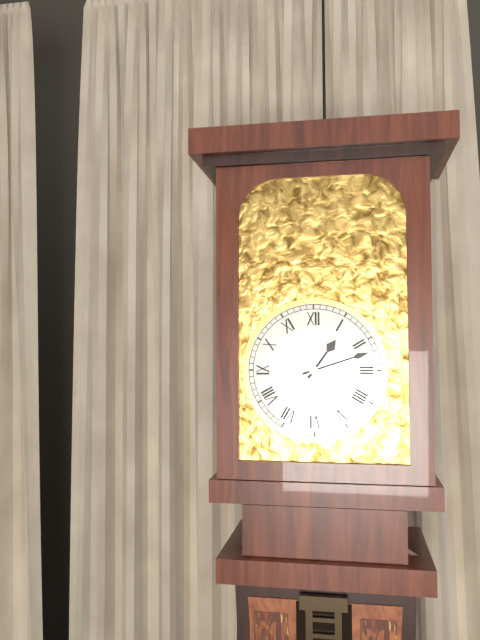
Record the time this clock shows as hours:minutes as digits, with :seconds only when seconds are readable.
1:12
